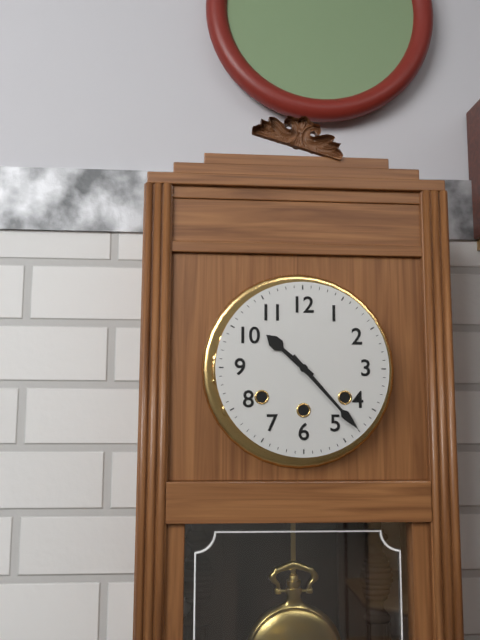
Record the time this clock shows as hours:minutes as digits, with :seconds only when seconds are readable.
10:23
